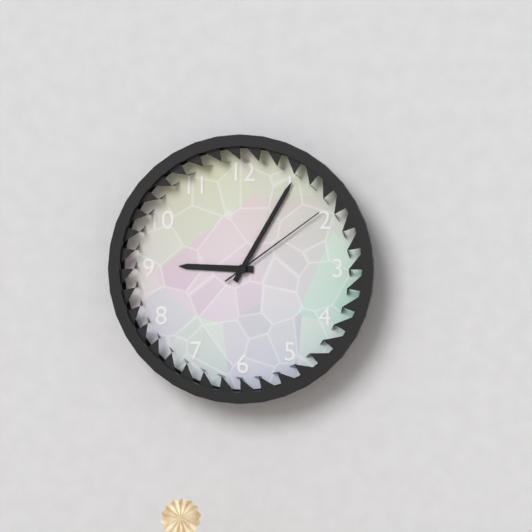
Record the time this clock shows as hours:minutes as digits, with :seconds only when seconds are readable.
9:05:09
